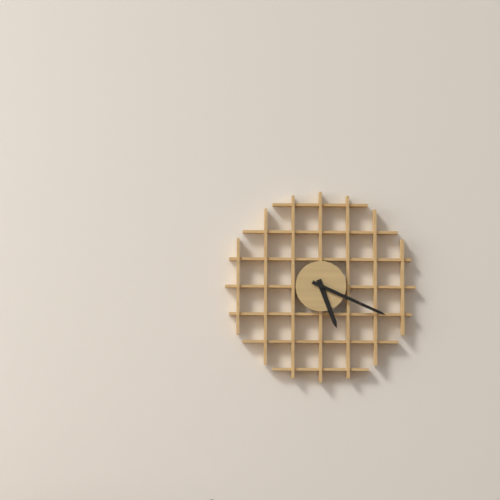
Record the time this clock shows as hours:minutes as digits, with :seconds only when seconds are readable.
5:19
